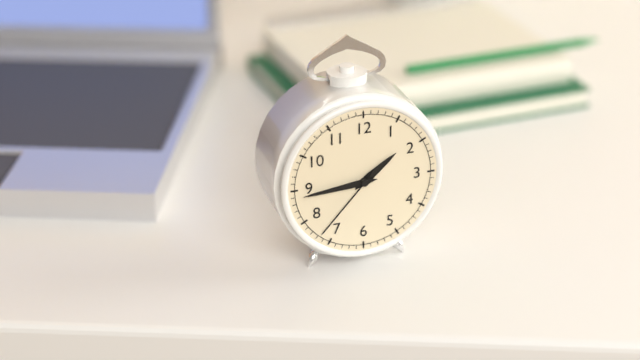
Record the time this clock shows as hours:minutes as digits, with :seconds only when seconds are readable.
1:44:37
